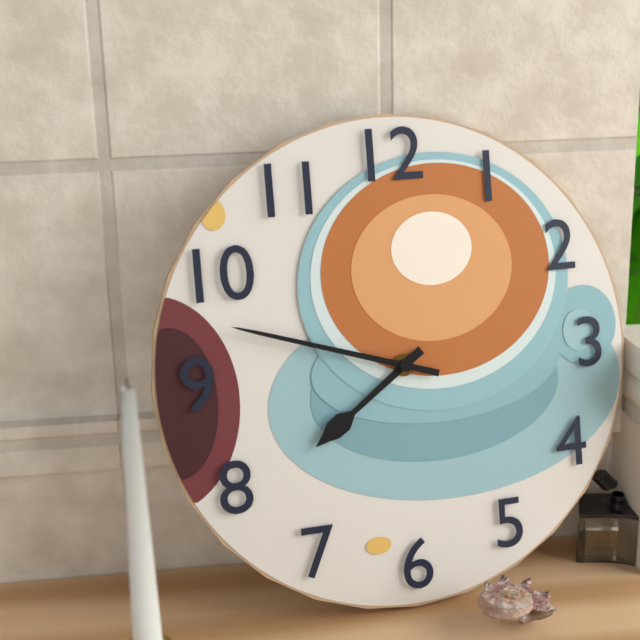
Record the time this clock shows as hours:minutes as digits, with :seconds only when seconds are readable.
7:48
